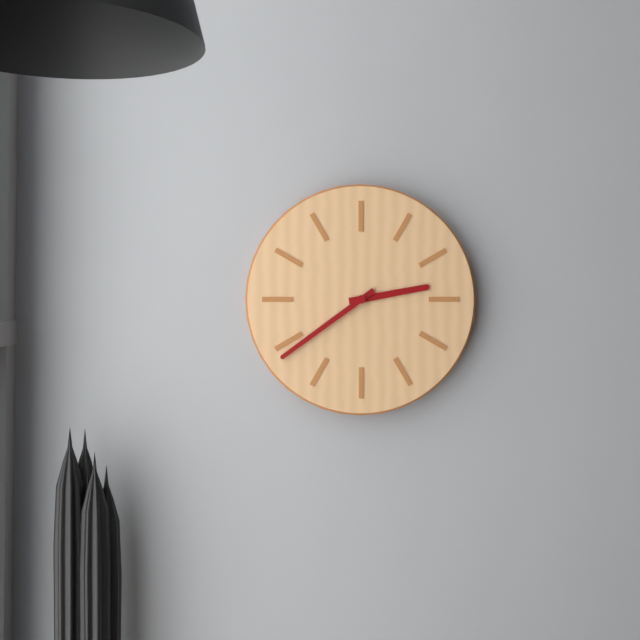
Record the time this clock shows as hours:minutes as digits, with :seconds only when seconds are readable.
2:39
